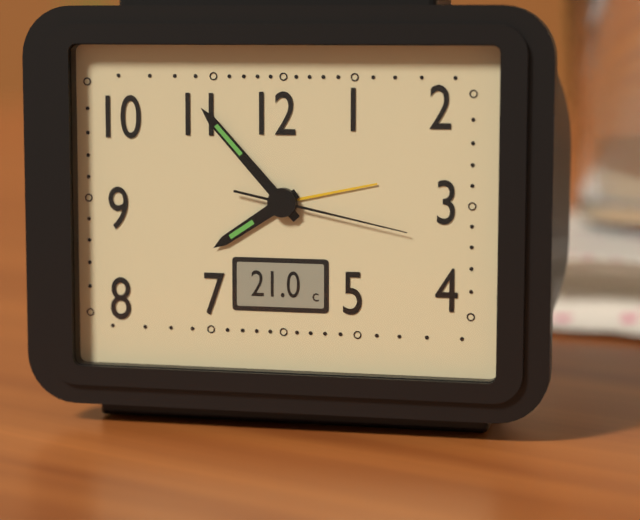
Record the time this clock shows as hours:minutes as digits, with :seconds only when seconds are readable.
7:53:17
